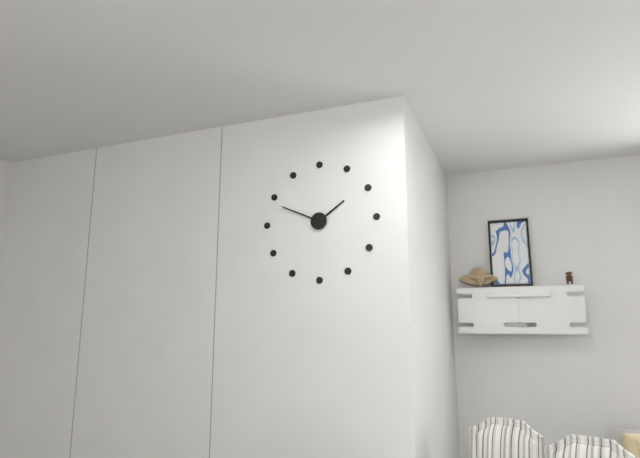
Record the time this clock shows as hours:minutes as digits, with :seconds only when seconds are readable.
1:49
